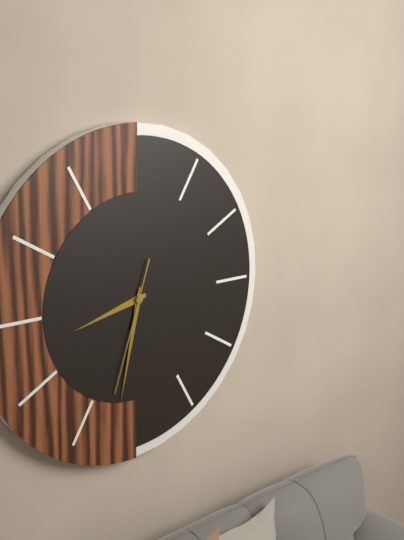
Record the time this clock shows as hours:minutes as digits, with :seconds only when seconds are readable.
8:32:33
